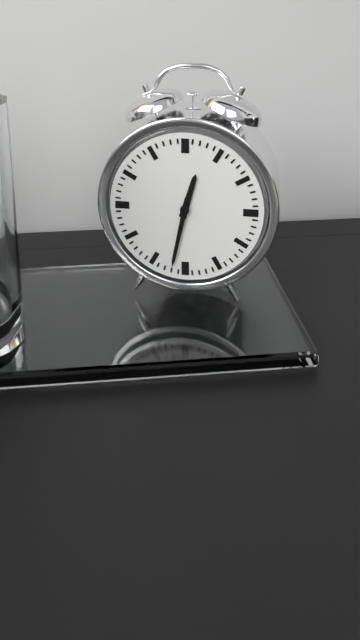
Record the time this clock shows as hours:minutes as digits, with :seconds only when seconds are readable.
12:32
